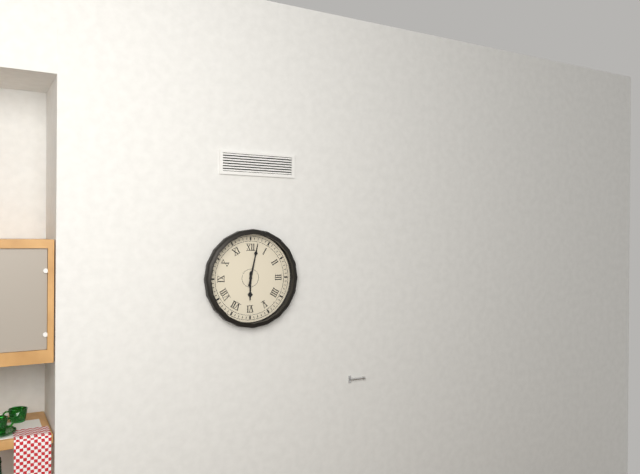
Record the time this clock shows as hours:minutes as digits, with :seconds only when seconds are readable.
6:02
